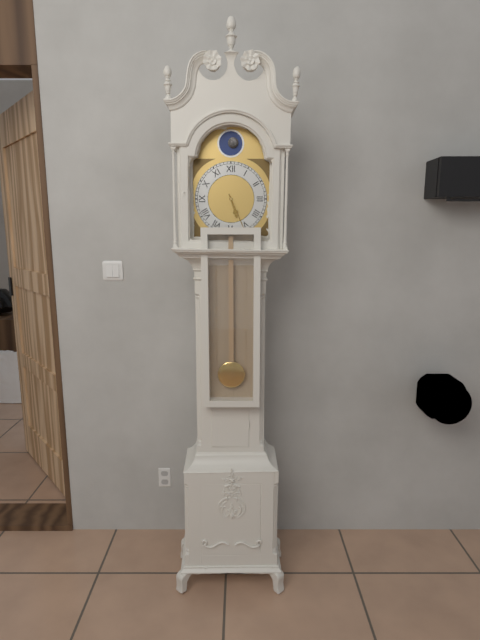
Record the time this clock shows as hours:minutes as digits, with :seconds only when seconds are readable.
5:26
